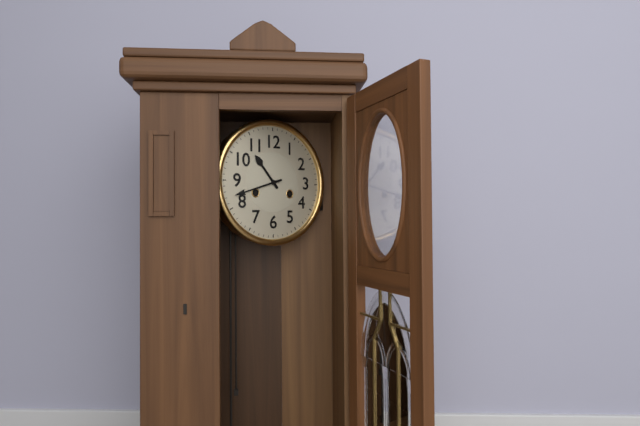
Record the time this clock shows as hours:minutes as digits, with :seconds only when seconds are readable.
10:42
